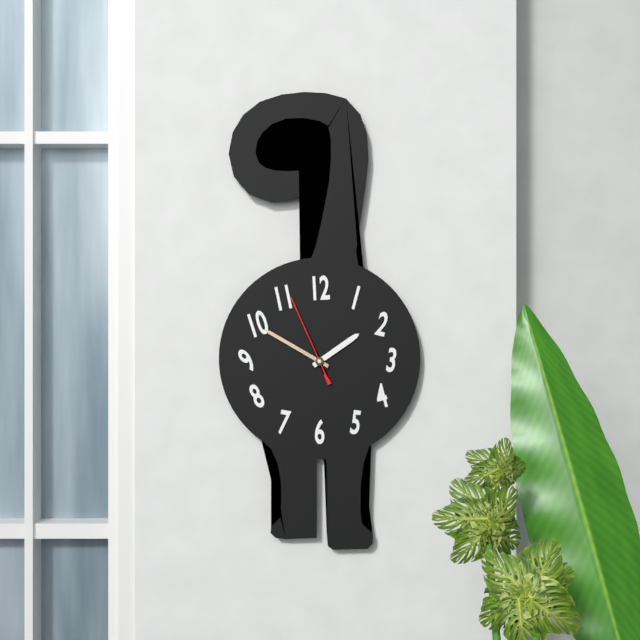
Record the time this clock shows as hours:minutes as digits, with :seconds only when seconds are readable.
1:50:56
